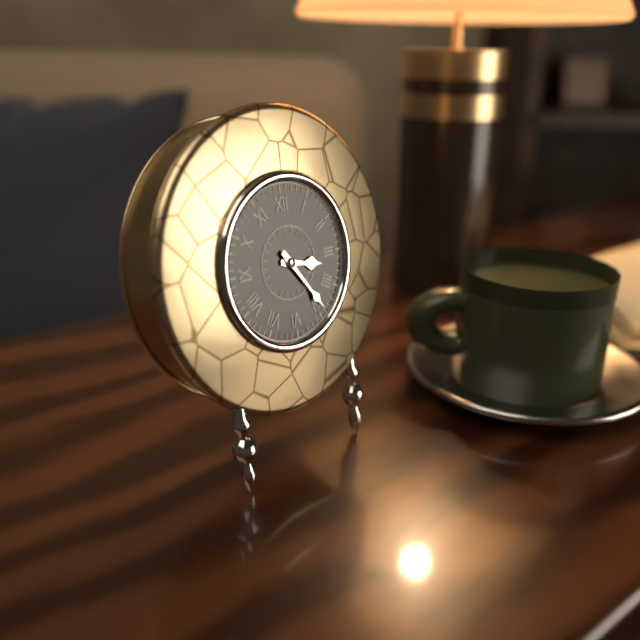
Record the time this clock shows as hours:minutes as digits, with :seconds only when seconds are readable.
3:24
